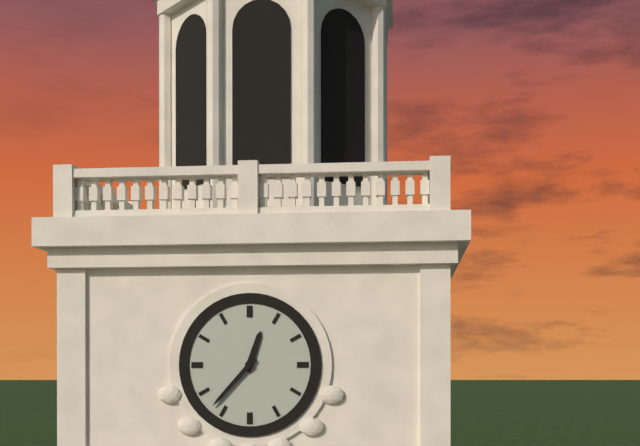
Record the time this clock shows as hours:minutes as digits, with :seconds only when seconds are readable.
12:37
